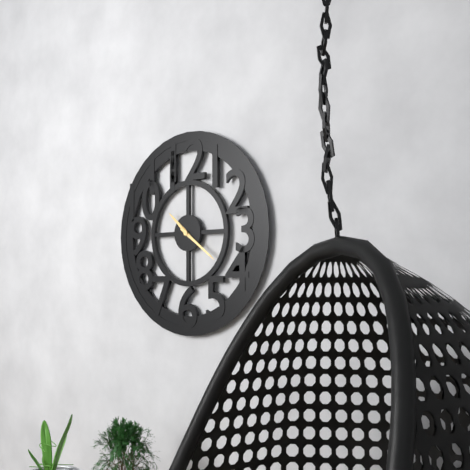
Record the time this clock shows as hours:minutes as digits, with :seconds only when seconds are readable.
10:21
